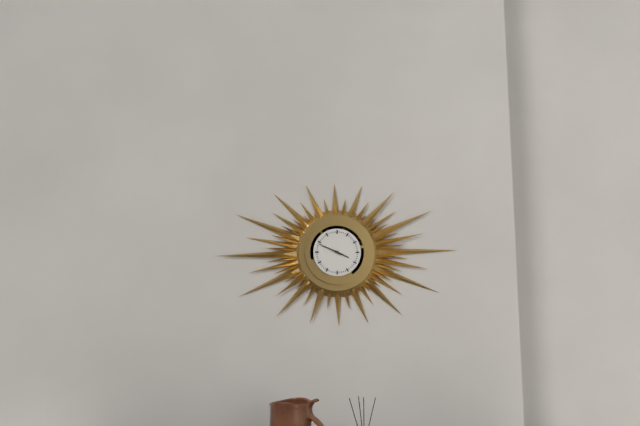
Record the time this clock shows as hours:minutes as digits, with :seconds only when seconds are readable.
3:49
